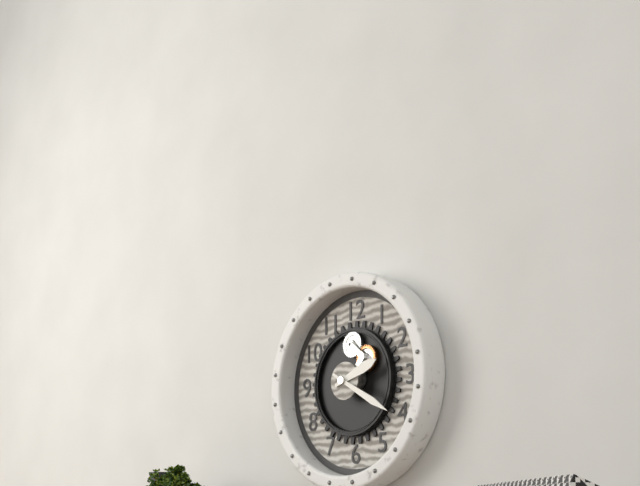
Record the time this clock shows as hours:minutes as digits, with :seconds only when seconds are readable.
2:20
